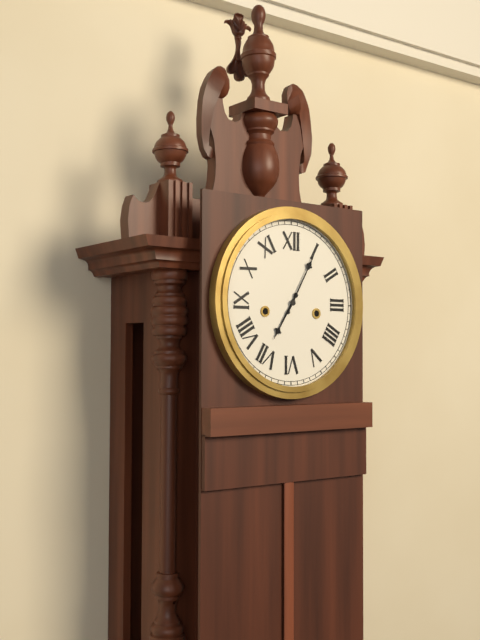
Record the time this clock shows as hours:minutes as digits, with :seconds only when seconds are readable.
7:05
